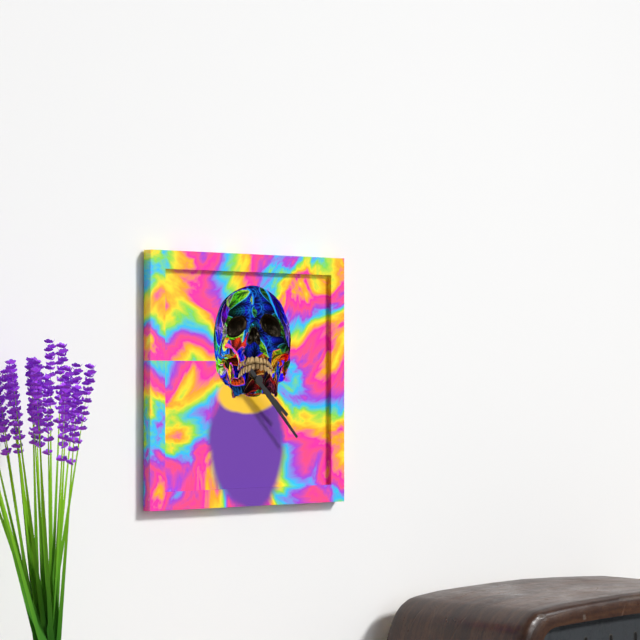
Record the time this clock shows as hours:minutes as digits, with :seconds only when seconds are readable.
4:23
